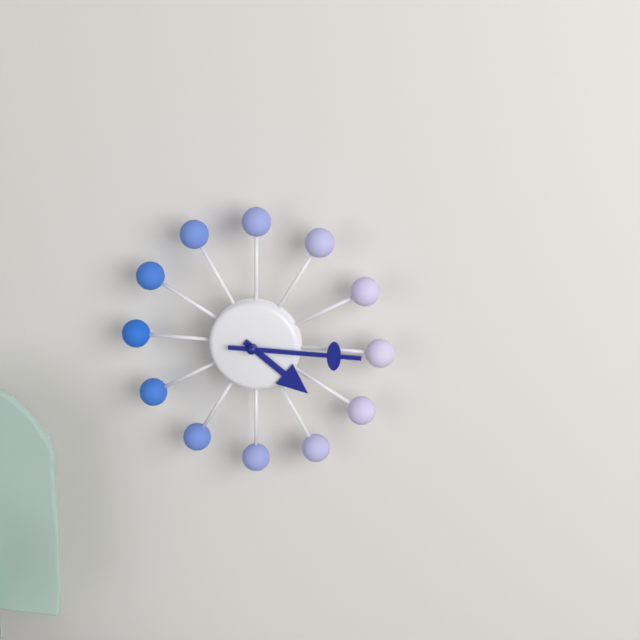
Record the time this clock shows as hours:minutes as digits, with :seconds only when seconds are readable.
4:15
